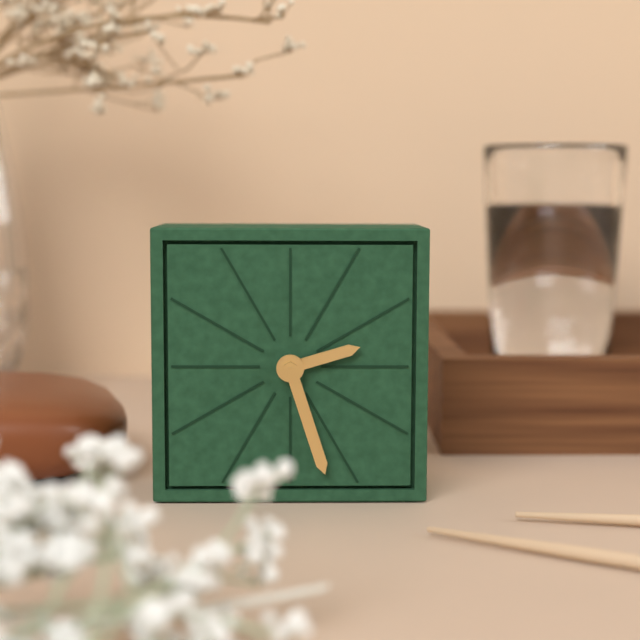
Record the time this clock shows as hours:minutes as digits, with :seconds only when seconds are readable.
2:27
